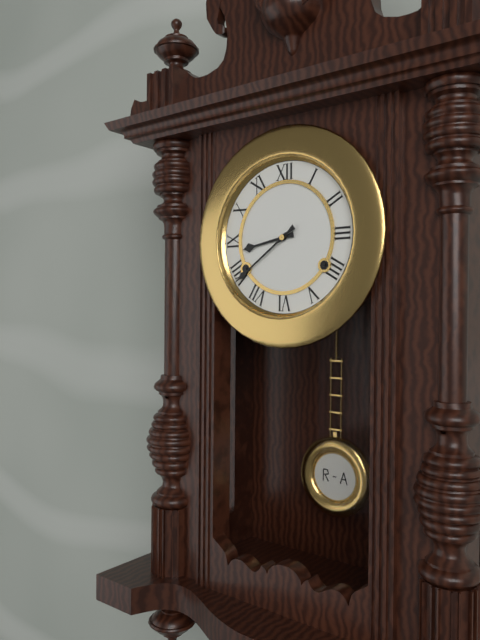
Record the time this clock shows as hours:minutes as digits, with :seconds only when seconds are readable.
8:39
